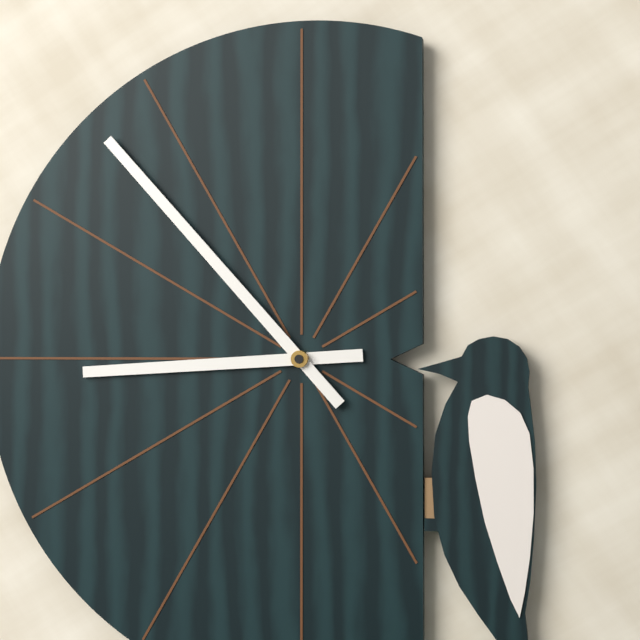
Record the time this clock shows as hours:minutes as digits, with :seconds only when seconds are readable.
8:53
